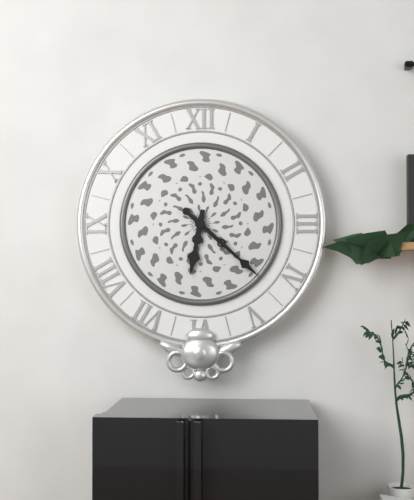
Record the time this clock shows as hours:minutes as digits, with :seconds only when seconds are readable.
6:22
